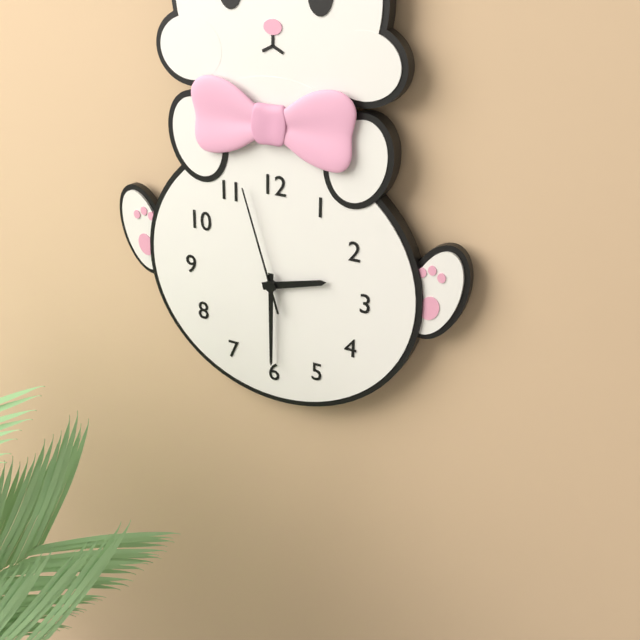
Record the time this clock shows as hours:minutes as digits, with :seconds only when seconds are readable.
2:30:57
